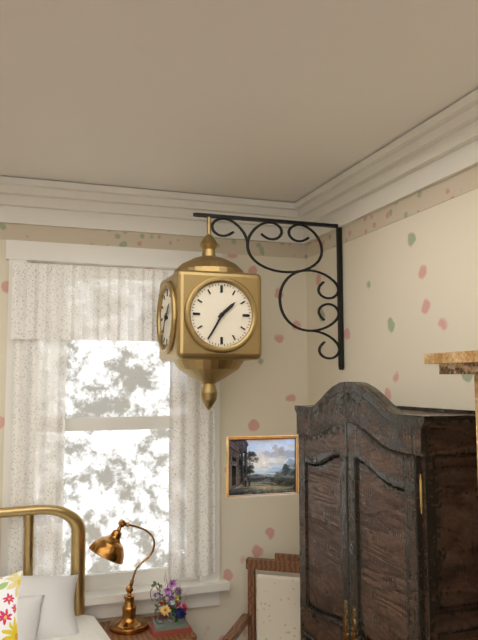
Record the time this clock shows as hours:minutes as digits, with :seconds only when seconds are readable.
1:35
